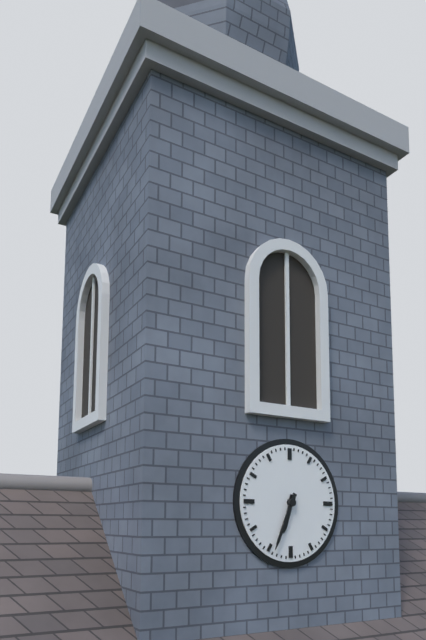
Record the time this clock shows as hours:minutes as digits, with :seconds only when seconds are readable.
6:34
